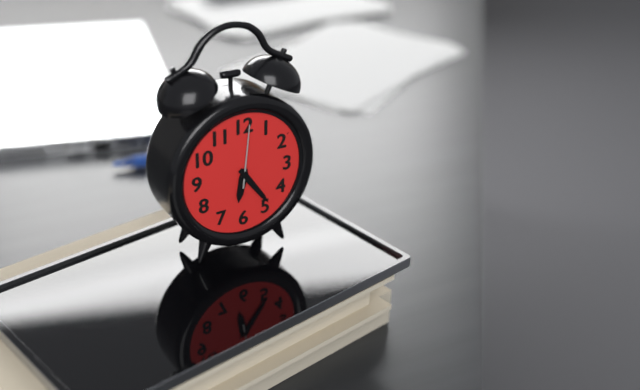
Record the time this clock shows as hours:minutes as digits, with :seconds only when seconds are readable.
6:24:01
